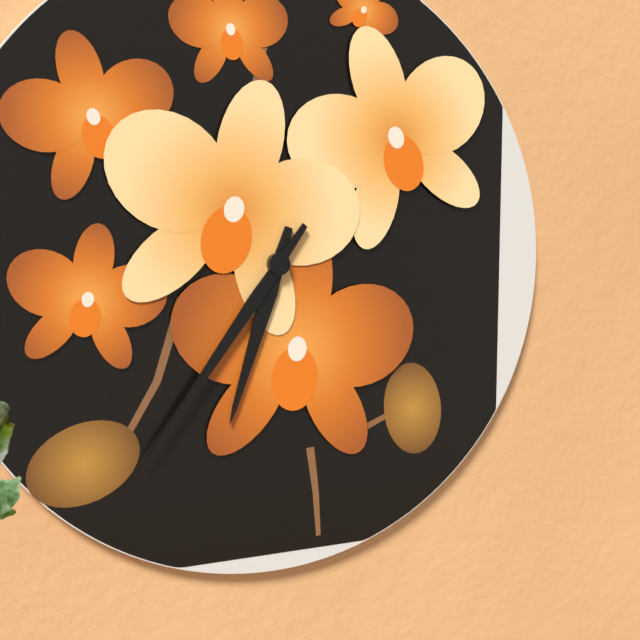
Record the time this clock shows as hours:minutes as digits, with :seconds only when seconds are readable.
6:36
